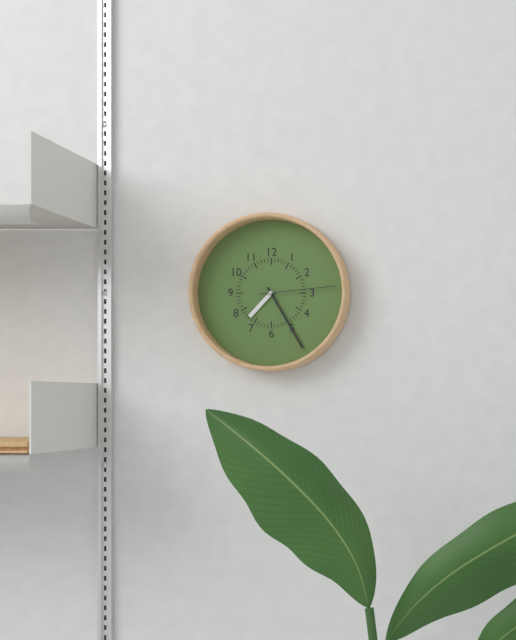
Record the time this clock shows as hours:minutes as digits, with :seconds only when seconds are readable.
7:25:14
